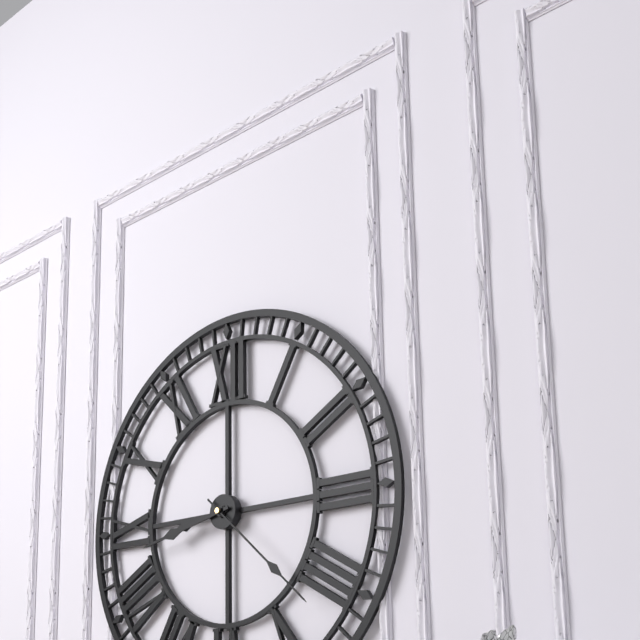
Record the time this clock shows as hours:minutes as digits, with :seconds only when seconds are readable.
8:43:22
